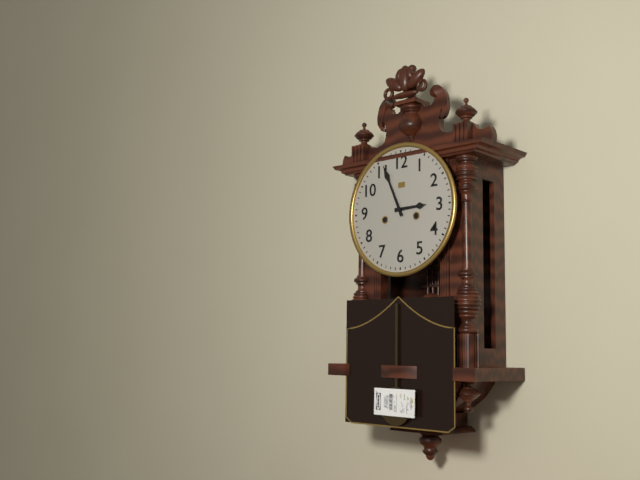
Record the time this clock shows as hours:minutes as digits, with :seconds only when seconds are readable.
2:56
